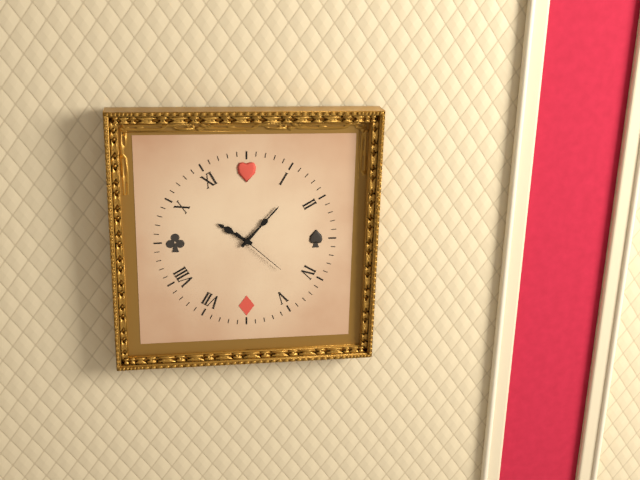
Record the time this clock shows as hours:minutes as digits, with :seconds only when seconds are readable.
10:07:22
